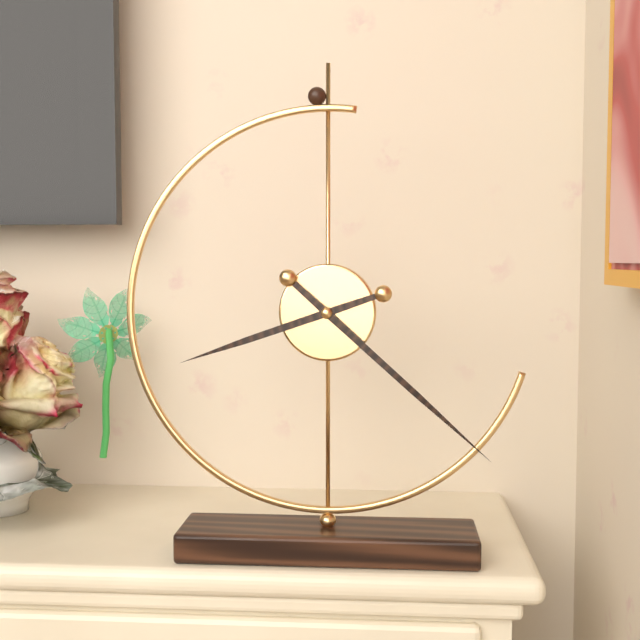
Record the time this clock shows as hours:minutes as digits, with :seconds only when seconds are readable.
8:22
